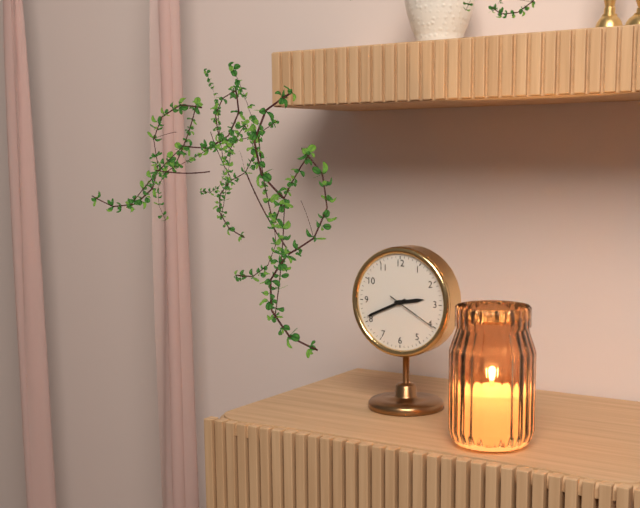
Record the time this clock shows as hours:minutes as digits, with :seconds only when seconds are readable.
2:41:20
